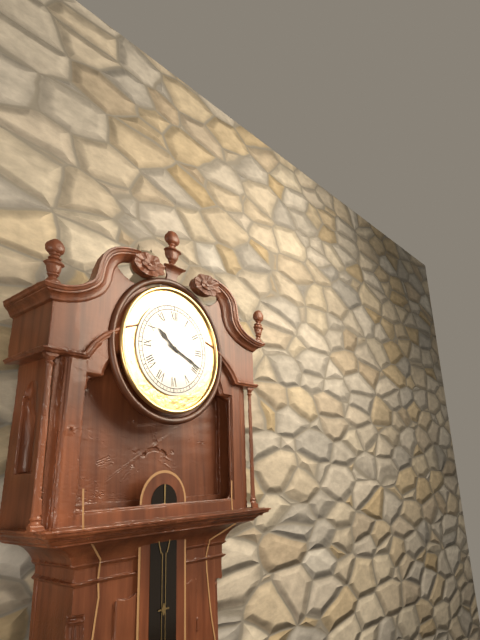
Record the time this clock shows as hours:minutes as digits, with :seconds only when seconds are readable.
10:19
